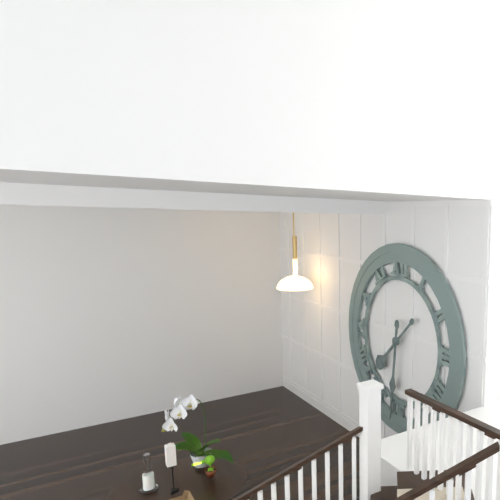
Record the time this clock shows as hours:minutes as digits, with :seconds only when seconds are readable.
7:31
